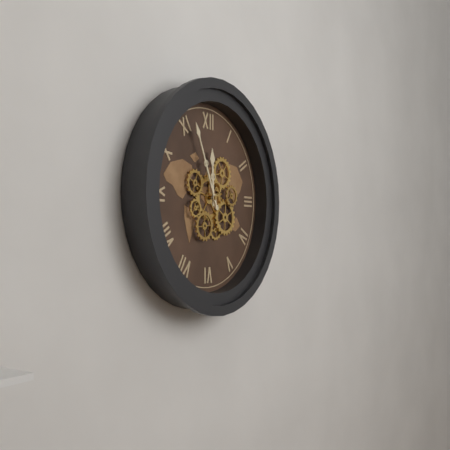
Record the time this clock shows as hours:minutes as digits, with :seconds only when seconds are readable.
11:56
